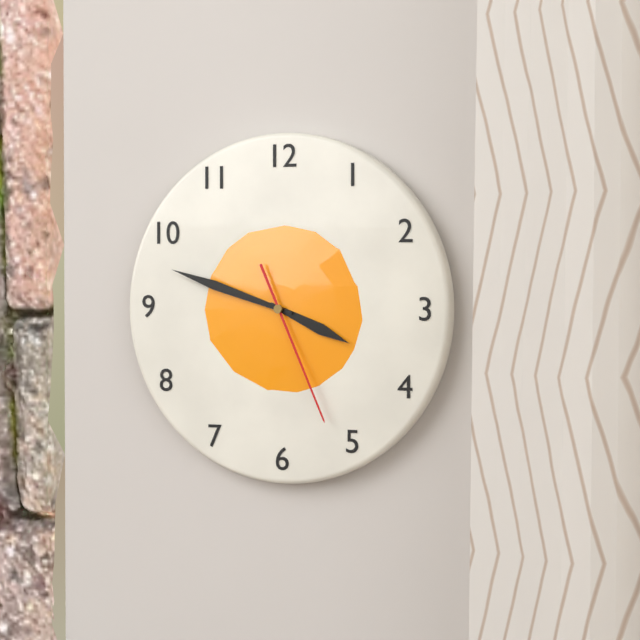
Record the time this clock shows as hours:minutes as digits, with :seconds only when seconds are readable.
3:48:26
